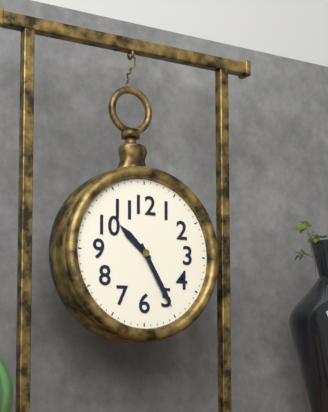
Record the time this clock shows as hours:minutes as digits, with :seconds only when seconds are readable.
10:25
